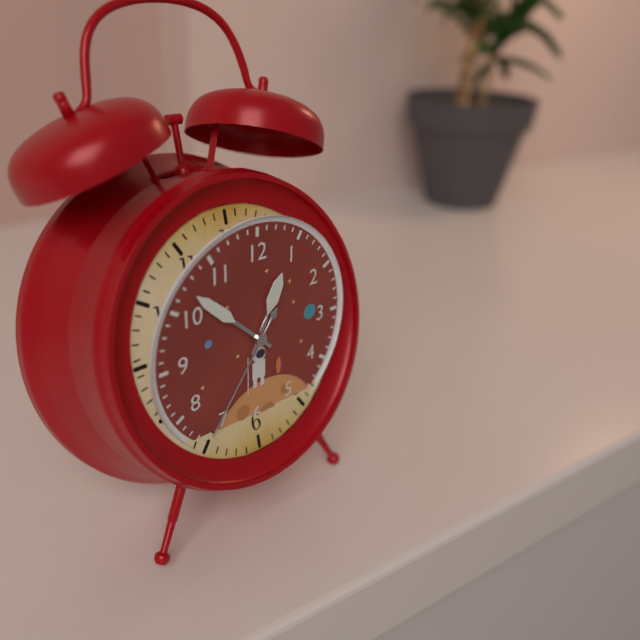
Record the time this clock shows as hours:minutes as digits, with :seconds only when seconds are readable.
12:52:36
